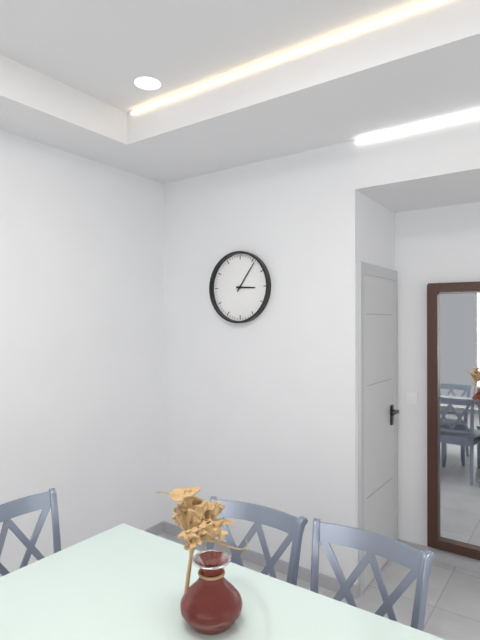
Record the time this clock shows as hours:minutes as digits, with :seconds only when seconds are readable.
3:06
